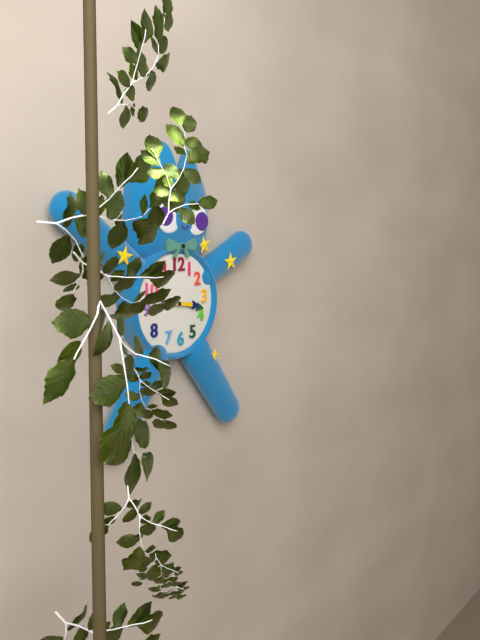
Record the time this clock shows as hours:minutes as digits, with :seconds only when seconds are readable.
3:17
